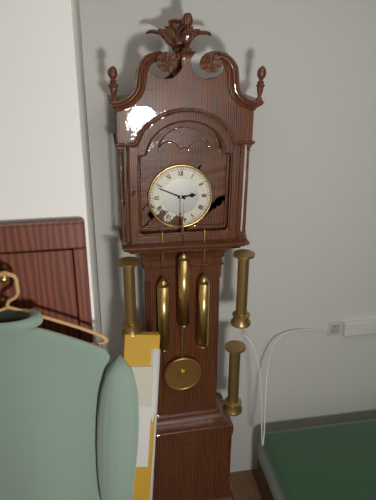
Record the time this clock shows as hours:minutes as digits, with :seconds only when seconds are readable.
2:49
